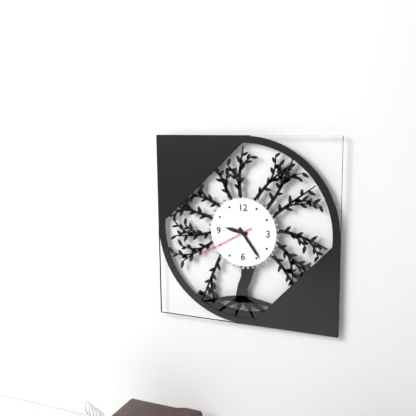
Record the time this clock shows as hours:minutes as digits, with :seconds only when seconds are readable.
9:24:40
